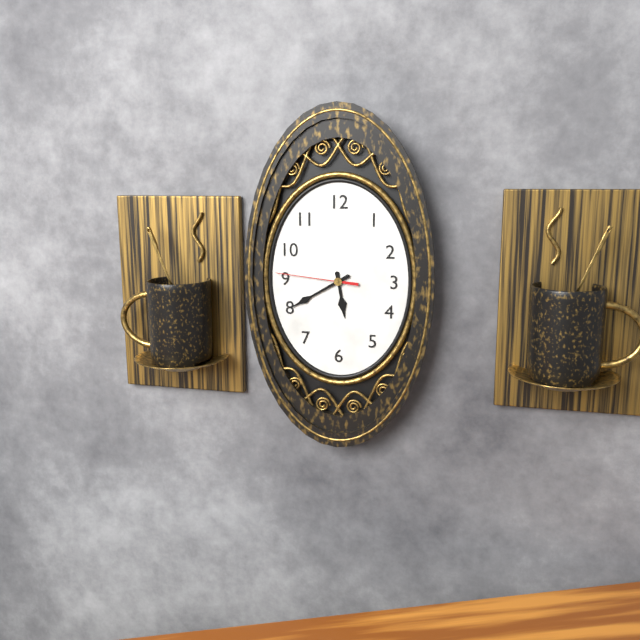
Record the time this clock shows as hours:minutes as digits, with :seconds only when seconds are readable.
5:40:46
